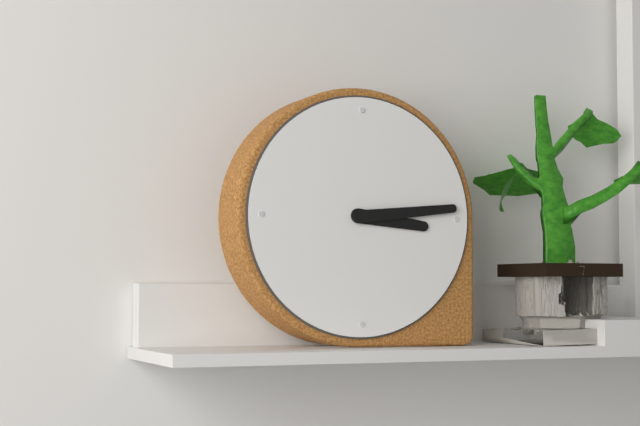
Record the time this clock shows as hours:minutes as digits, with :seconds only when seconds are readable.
3:14
